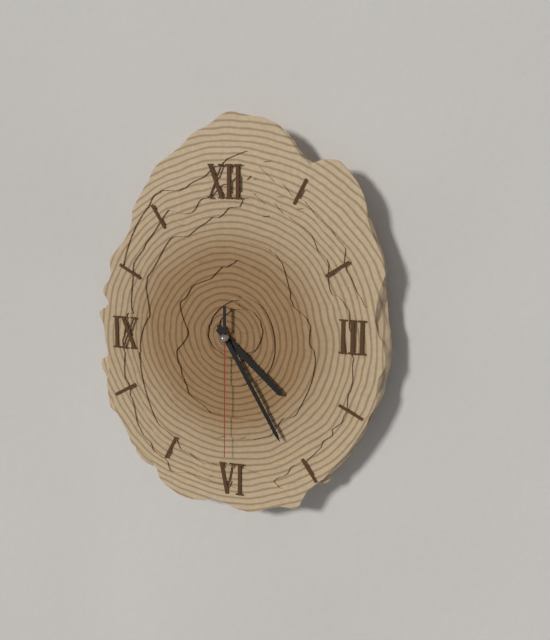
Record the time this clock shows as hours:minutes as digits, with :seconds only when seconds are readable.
4:25:30
